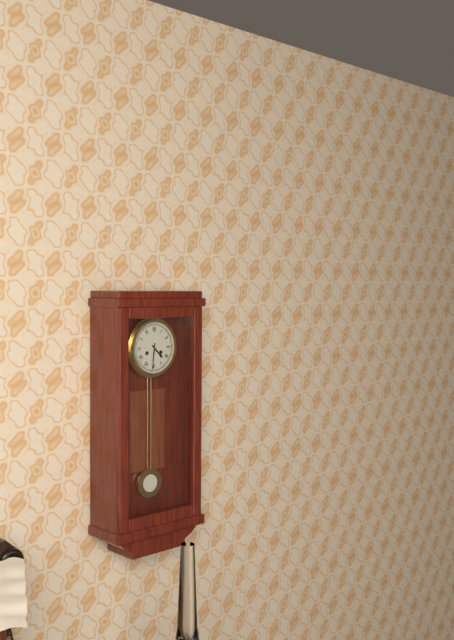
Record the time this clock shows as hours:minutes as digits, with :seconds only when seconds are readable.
4:31
